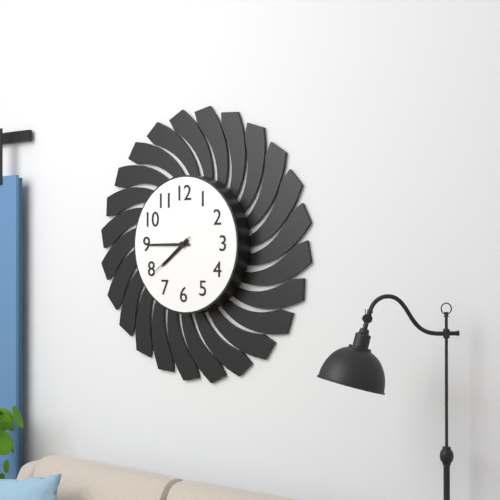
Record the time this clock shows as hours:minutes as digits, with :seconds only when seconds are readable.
7:45:39
